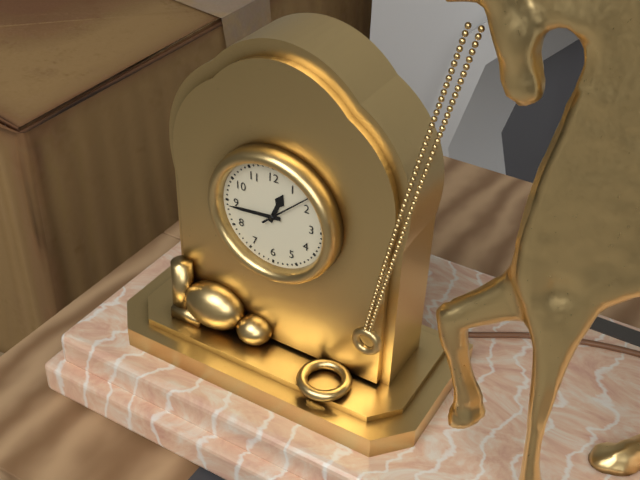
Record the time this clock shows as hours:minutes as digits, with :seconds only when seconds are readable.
12:44:08
